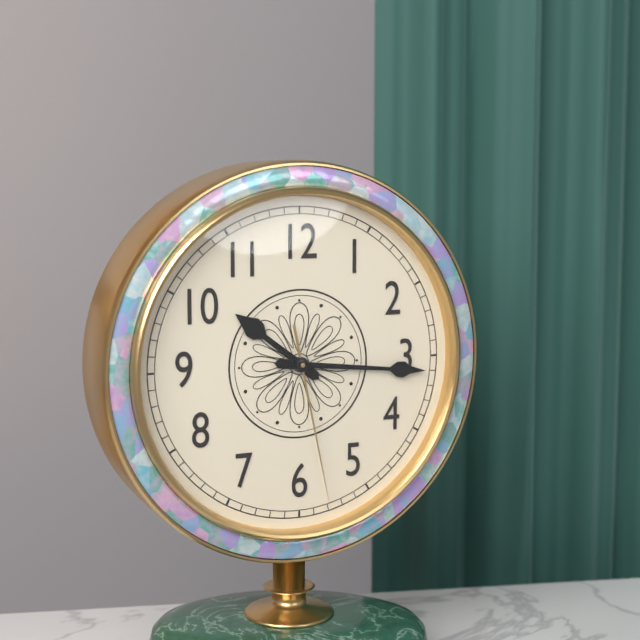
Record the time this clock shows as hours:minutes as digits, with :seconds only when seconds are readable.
10:16:28
